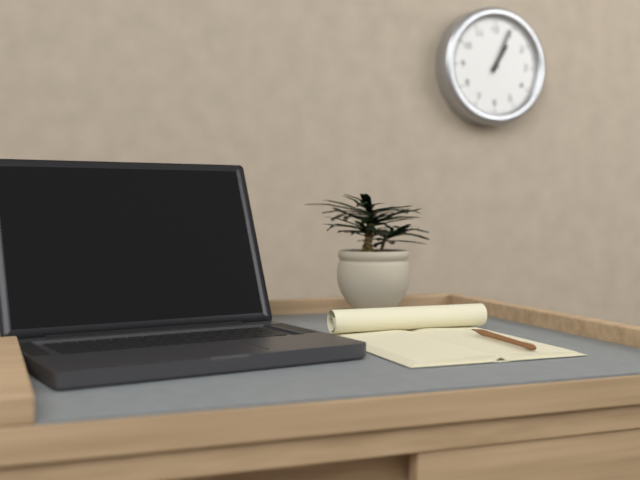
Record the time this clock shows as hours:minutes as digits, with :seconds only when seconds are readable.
1:04
